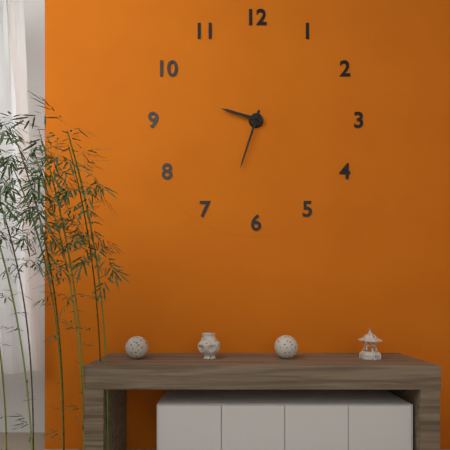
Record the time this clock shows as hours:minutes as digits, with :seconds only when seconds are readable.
9:33
